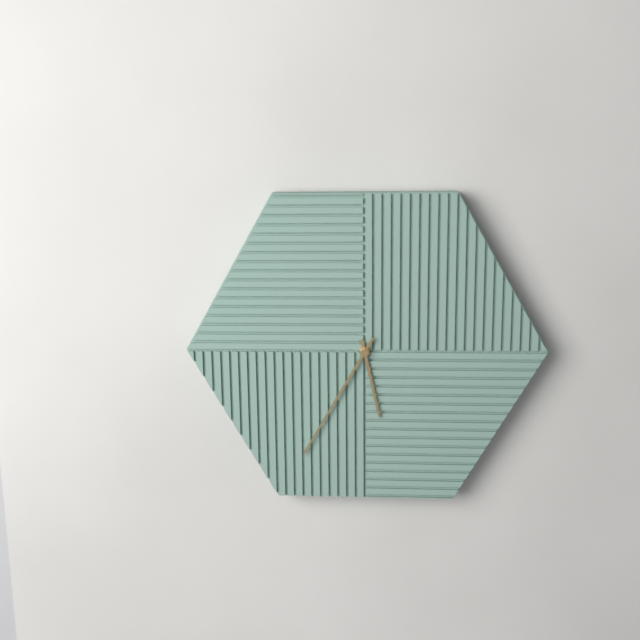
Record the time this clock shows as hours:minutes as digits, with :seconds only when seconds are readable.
5:35
